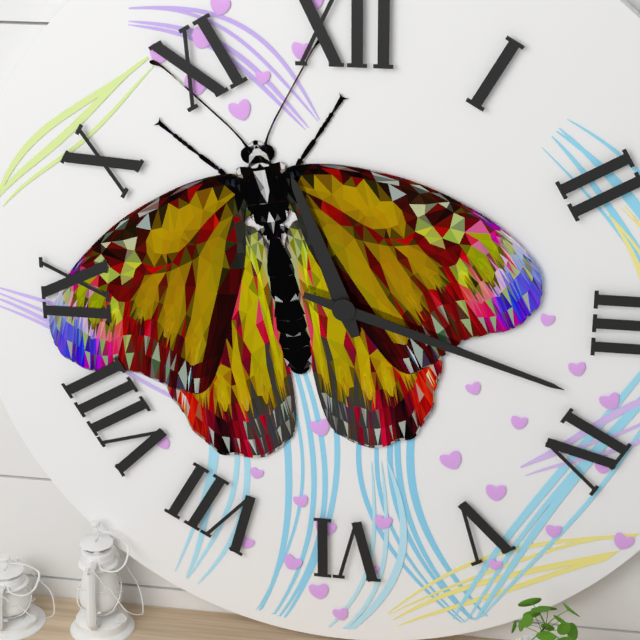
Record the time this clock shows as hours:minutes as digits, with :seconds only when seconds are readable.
11:18
